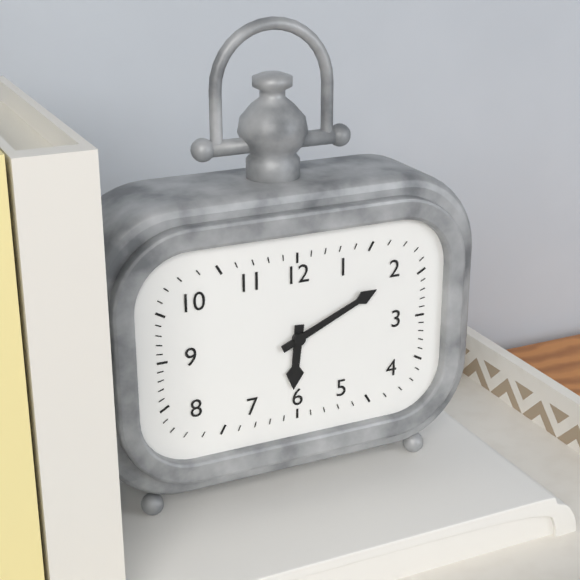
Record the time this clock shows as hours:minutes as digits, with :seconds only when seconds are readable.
6:11
